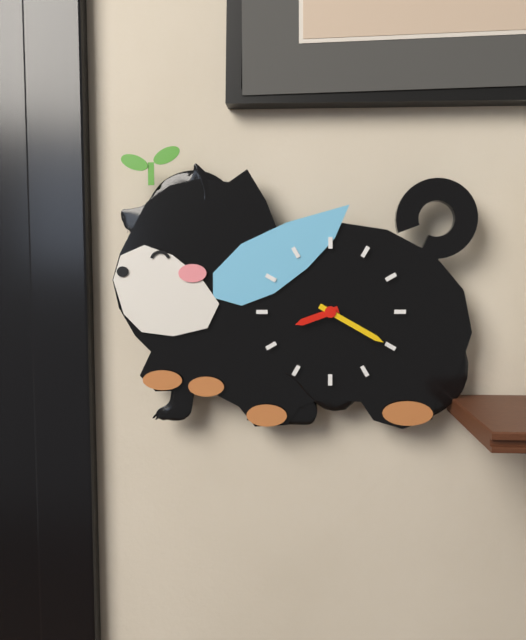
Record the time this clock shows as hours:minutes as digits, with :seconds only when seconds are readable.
8:20
